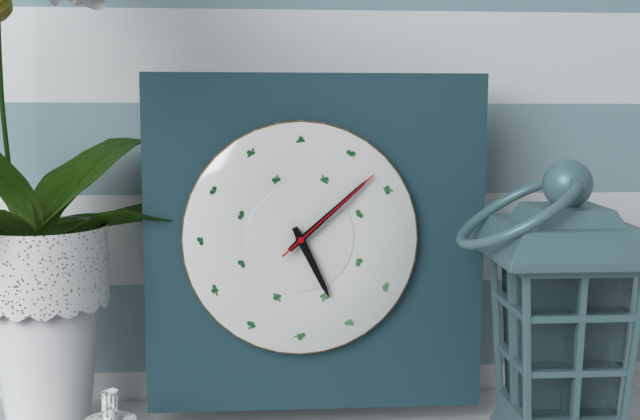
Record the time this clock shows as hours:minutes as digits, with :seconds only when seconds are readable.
5:08:08
